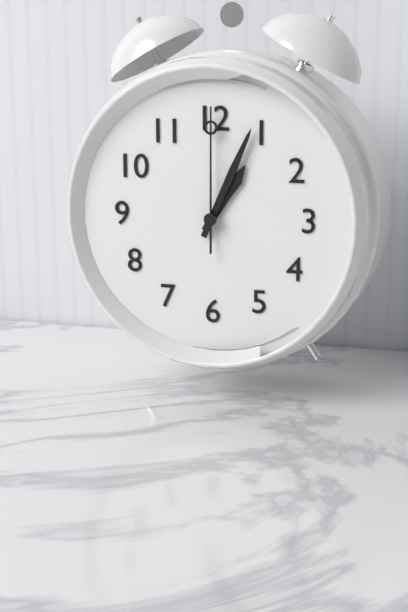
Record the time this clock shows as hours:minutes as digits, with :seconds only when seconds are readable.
1:04:00
